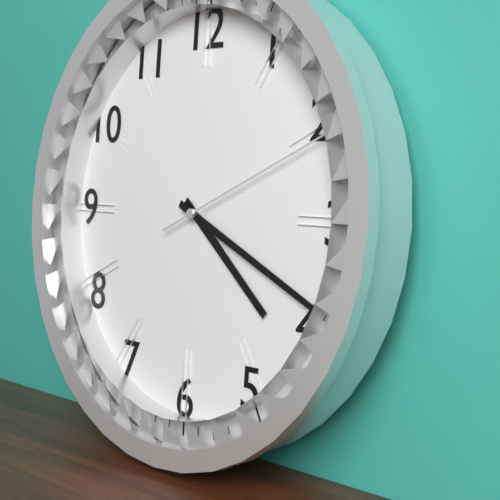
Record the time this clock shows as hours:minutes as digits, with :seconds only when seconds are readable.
4:19:11
